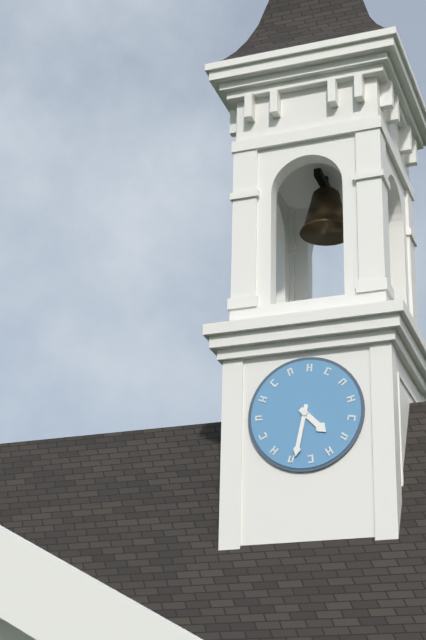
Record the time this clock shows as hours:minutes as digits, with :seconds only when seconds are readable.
4:32
